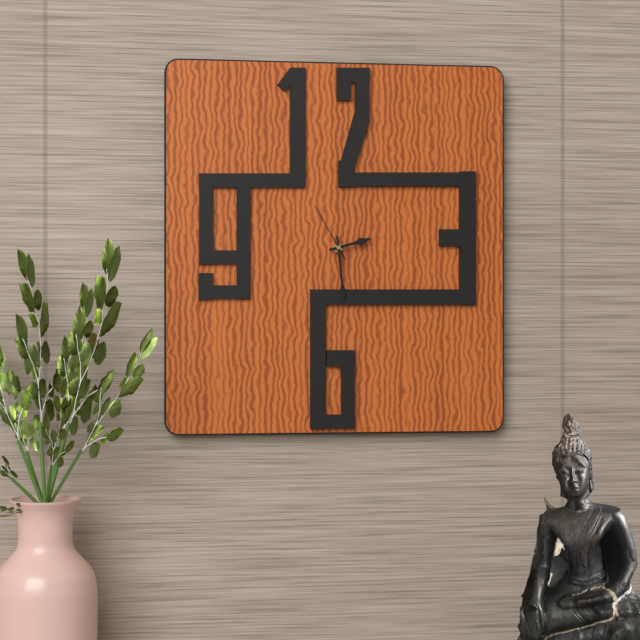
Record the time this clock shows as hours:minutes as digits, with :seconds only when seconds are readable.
2:29:55
